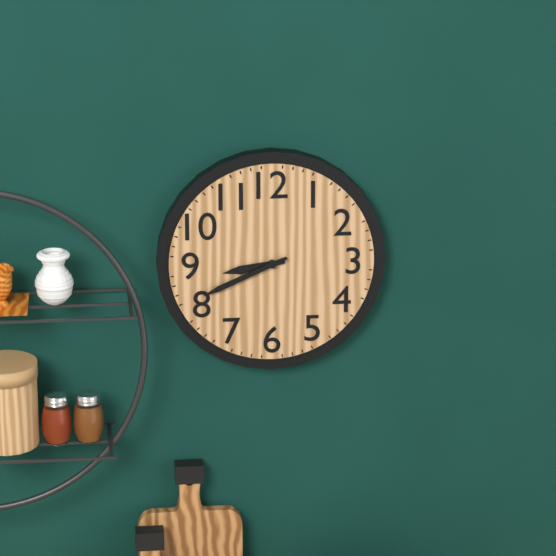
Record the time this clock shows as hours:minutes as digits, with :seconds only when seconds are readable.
8:41
